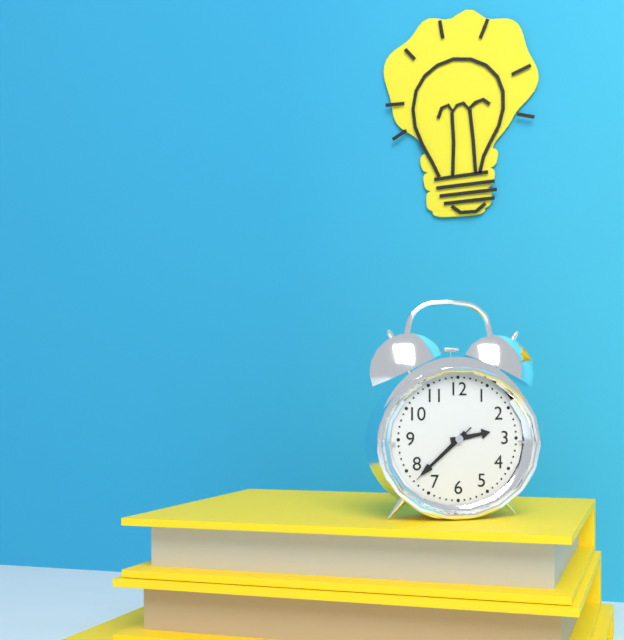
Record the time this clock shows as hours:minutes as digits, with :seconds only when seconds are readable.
2:38:38
